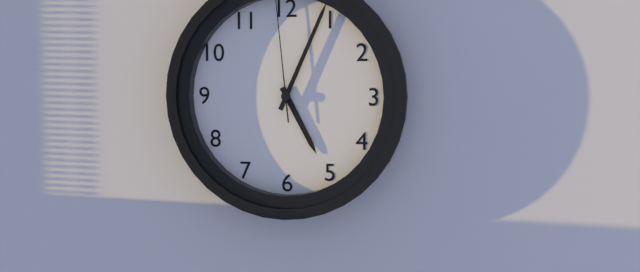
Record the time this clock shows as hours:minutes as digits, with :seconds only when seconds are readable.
5:04
